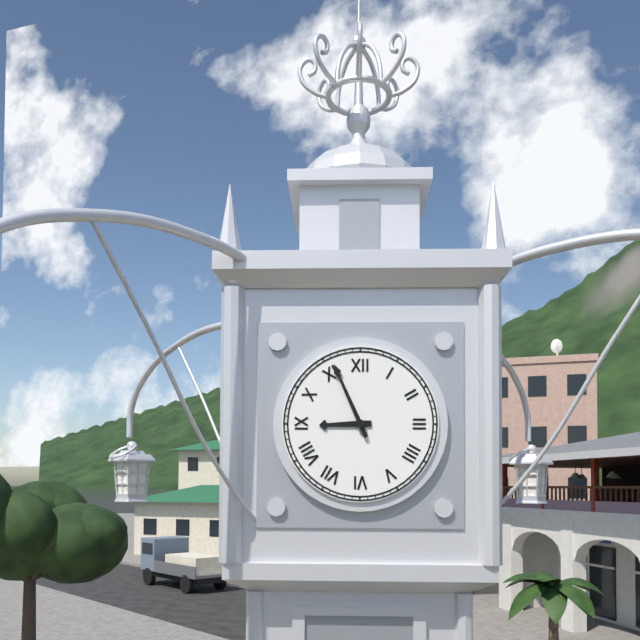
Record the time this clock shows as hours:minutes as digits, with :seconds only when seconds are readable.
8:56
